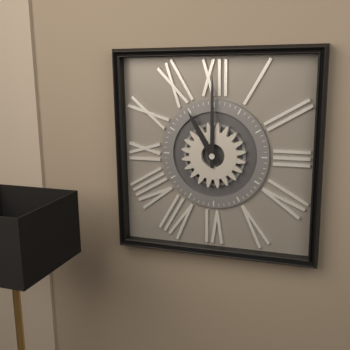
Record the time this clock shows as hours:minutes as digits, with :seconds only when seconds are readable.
11:00
